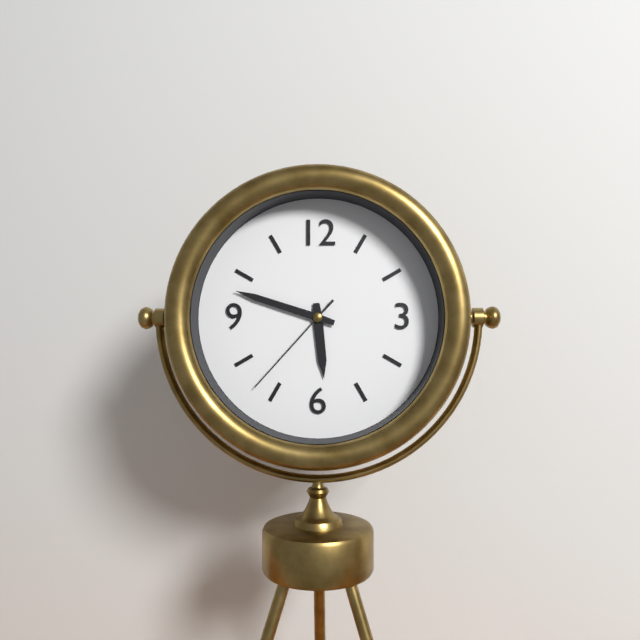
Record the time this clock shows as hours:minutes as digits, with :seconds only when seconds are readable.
5:48:37
